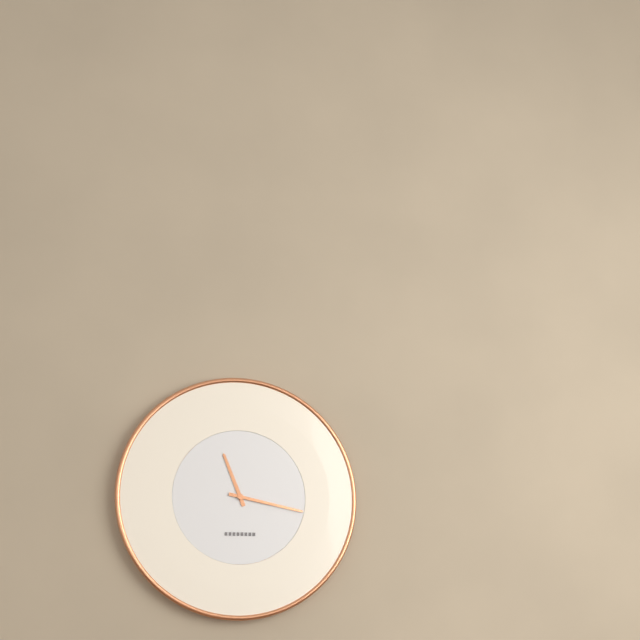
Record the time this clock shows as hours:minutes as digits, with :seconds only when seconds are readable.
11:17
